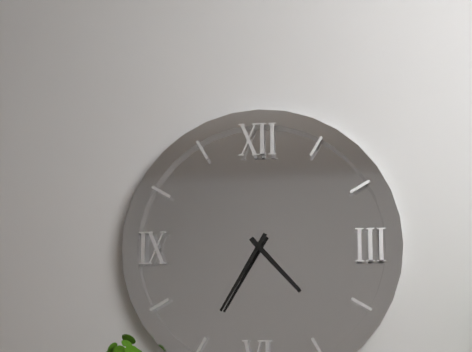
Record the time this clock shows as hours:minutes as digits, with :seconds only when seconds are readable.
4:35
